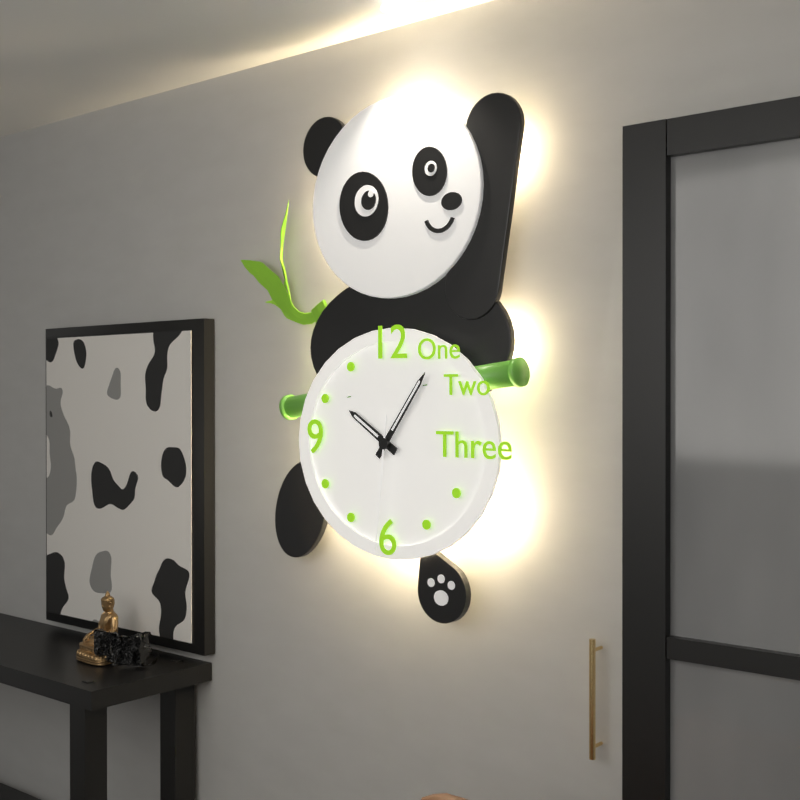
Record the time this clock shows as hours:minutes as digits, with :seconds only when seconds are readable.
10:06:31
